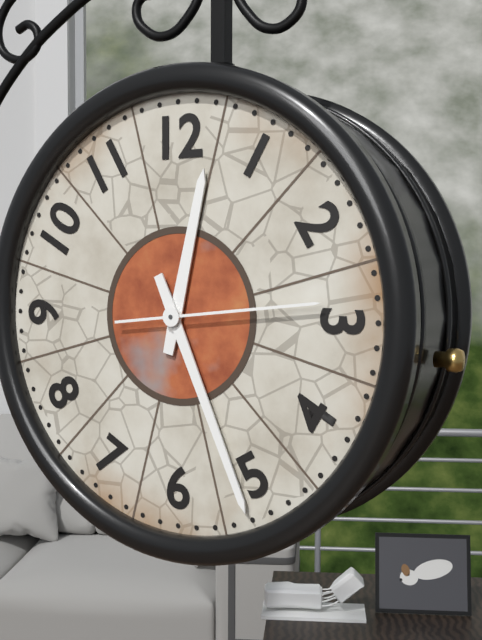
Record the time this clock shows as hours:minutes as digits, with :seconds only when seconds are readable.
12:26:14
